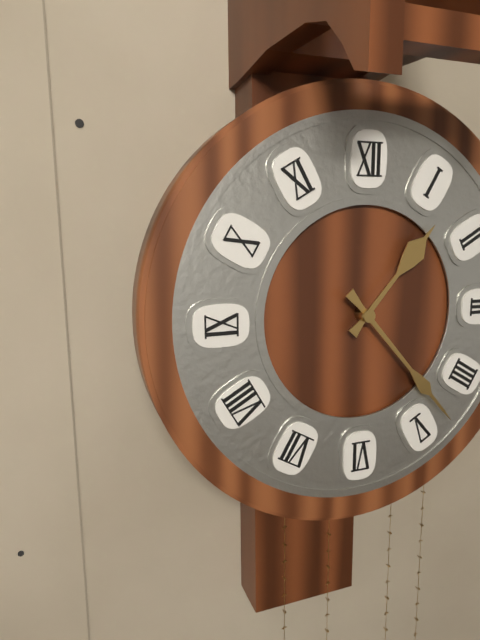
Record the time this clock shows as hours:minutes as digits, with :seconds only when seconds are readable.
1:23
